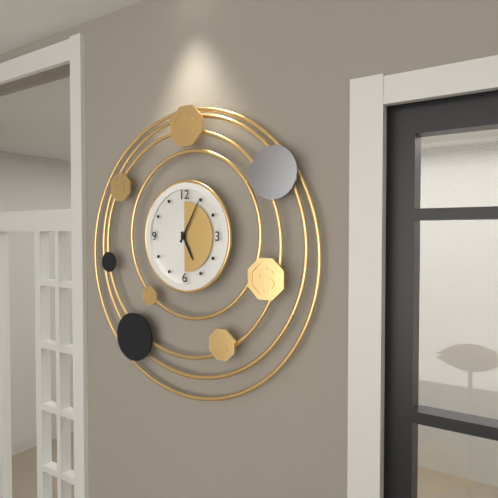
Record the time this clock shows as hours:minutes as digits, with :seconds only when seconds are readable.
5:05
